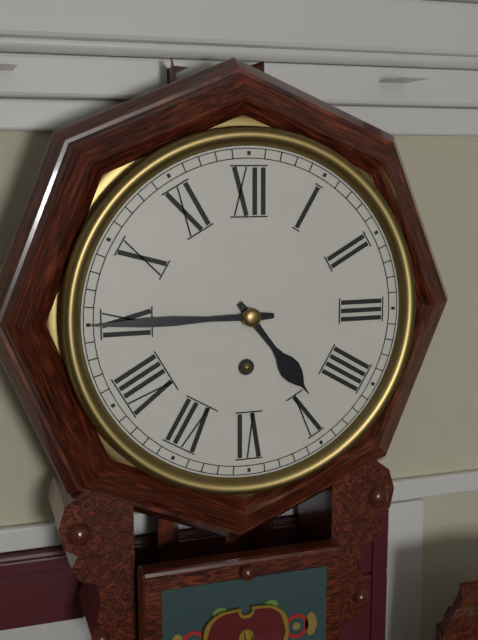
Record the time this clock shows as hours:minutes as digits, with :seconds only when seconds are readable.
4:45
